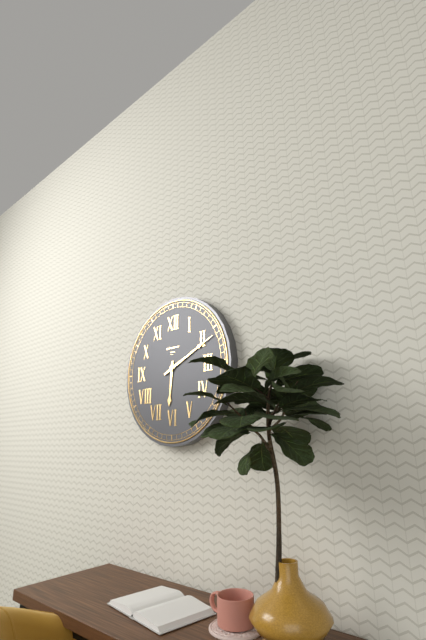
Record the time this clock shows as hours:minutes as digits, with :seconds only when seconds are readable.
6:11
